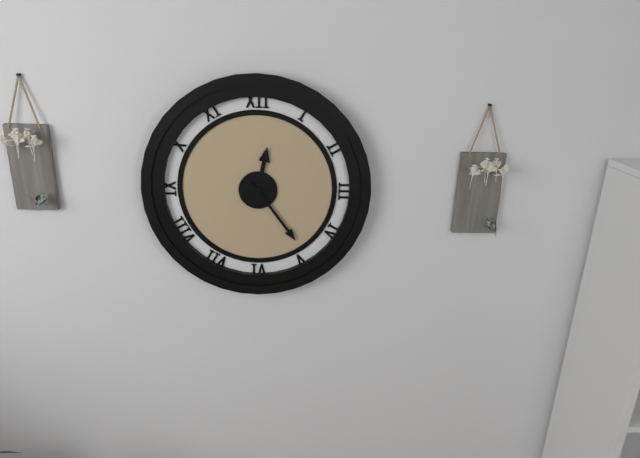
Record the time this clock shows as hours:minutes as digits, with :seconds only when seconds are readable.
12:24
